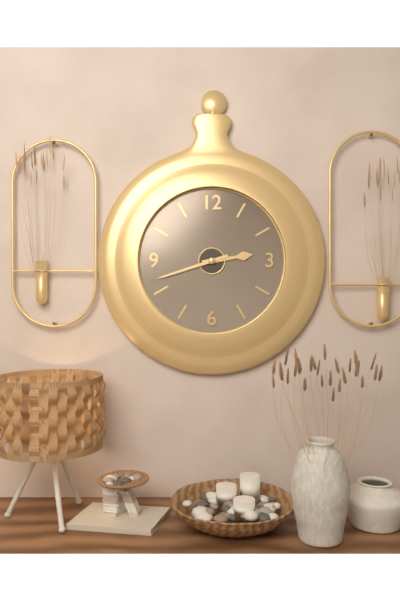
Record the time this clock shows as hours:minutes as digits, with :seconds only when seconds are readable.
2:42
